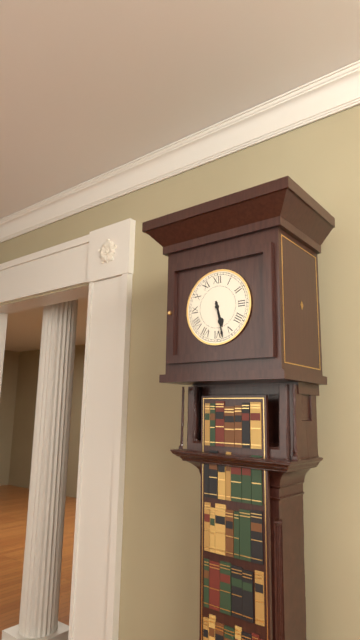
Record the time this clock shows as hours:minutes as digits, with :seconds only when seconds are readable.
5:28
